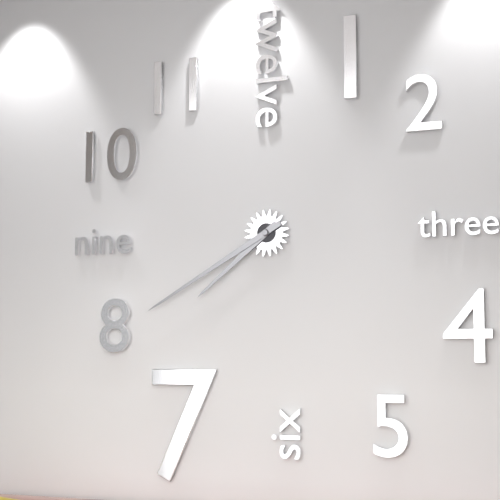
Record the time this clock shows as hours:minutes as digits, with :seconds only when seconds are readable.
7:40
